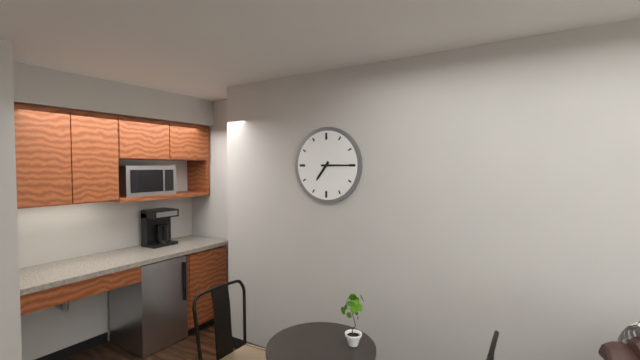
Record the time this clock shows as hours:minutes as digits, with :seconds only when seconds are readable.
7:15
